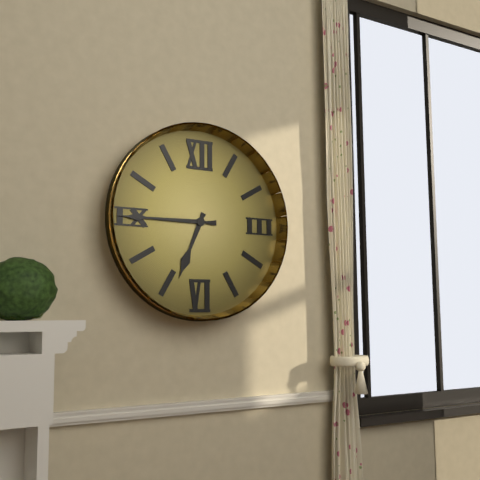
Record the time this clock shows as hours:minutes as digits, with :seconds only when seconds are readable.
6:45
